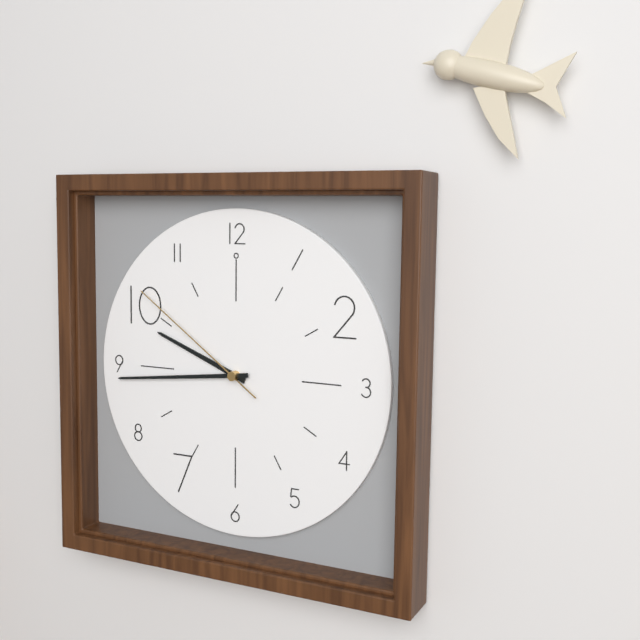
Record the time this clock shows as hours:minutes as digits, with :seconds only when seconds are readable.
9:44:51
